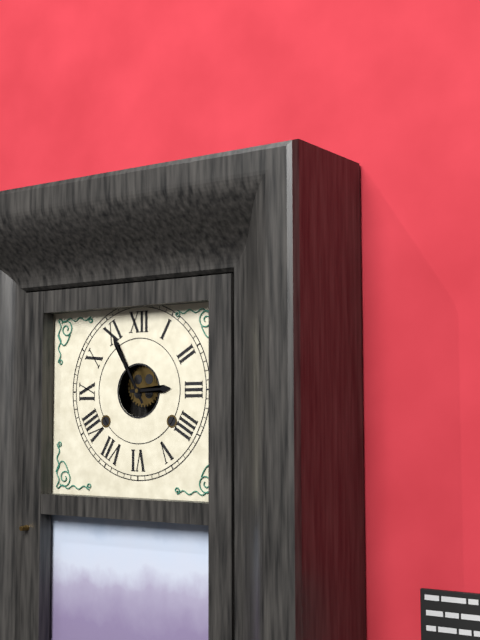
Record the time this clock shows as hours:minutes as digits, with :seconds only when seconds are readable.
2:55
